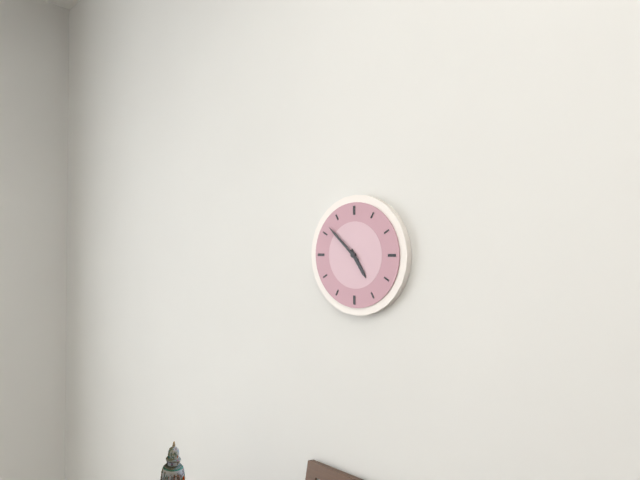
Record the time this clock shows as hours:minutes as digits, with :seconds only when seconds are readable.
4:52
